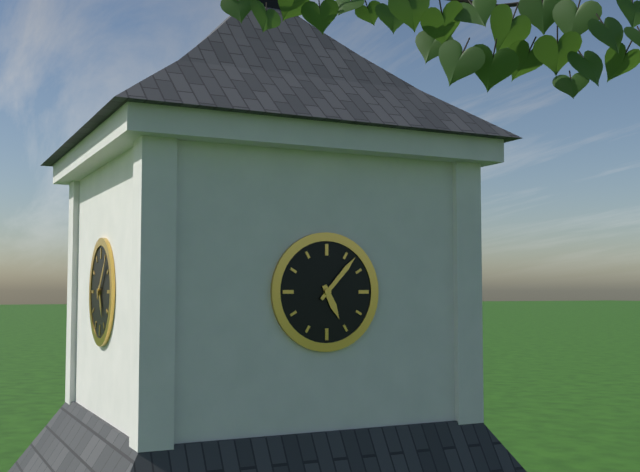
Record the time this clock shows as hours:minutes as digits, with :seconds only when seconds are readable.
5:07
